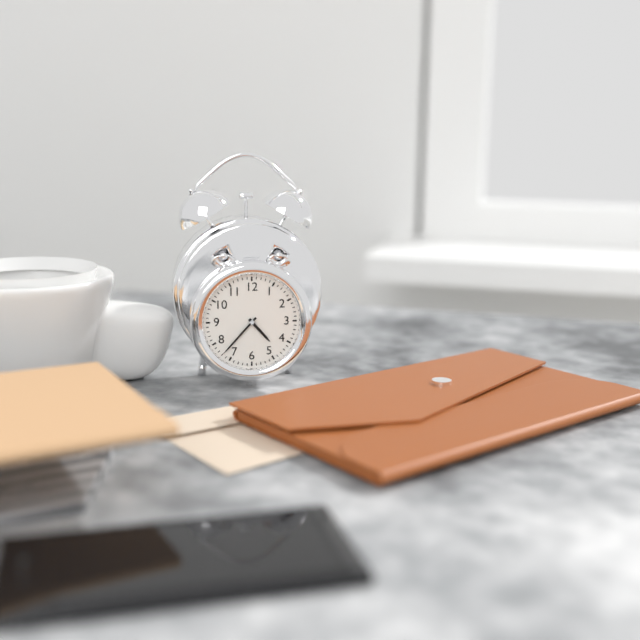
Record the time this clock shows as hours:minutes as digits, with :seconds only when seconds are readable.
4:37
